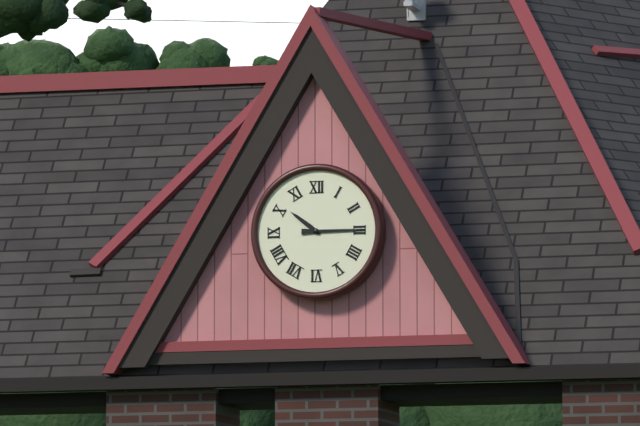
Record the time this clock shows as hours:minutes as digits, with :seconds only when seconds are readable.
10:15
